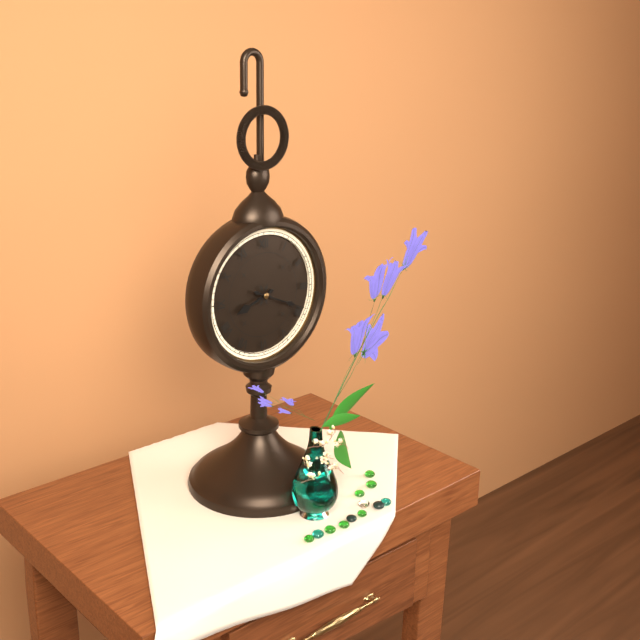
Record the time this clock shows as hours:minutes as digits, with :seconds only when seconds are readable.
8:19
